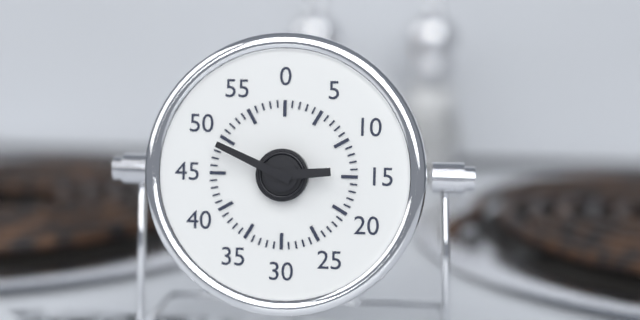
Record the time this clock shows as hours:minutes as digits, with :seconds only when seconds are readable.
2:49
